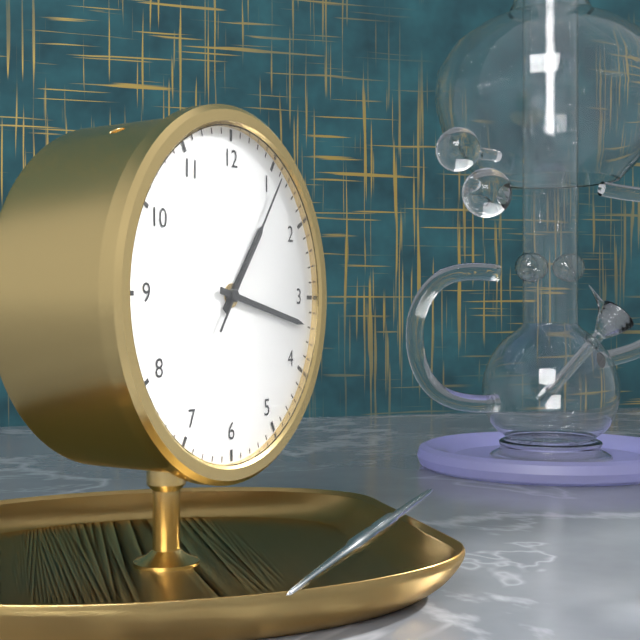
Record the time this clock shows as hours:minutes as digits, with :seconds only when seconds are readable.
1:17:06
